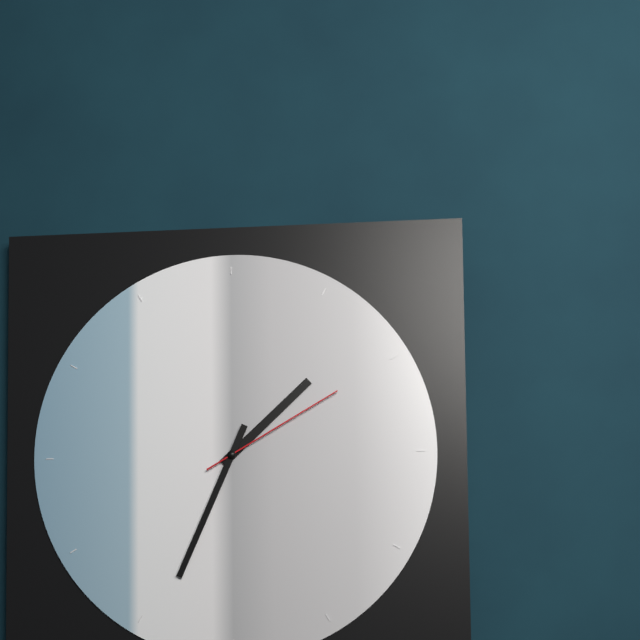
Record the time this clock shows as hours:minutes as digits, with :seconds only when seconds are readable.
1:34:10
